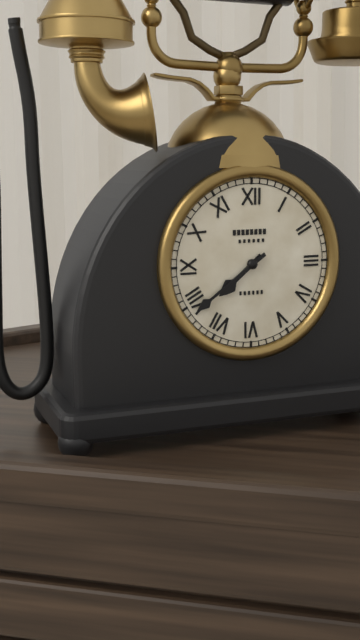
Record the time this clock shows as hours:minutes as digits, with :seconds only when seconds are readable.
7:39
